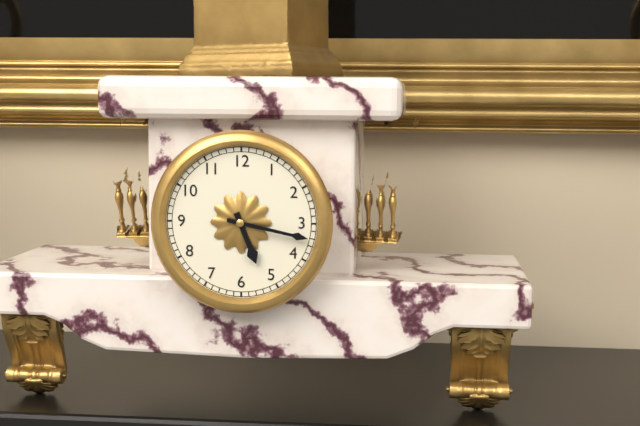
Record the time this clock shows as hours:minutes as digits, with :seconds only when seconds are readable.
5:17
